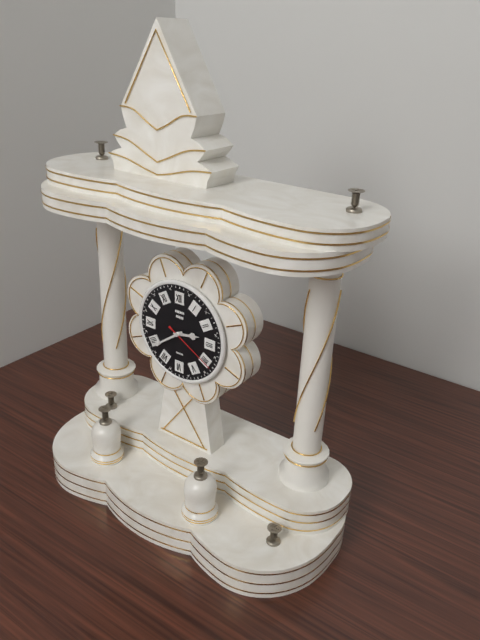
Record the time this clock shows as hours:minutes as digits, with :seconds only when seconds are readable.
2:39:20
